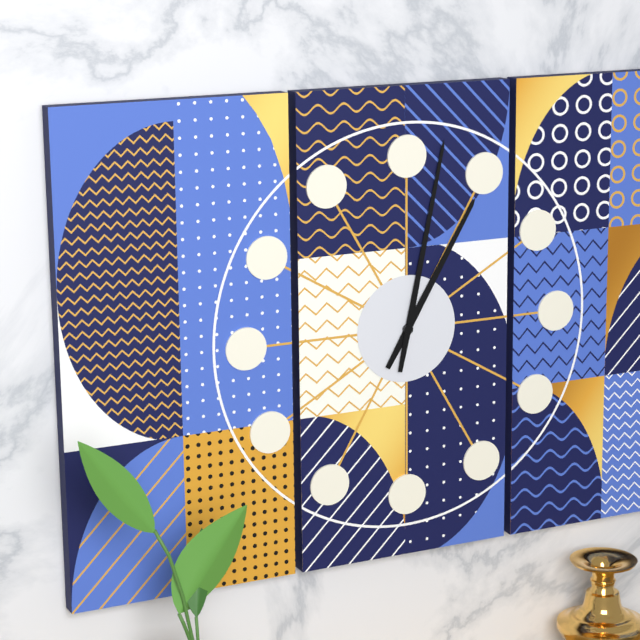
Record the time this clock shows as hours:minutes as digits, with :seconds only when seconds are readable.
1:02
